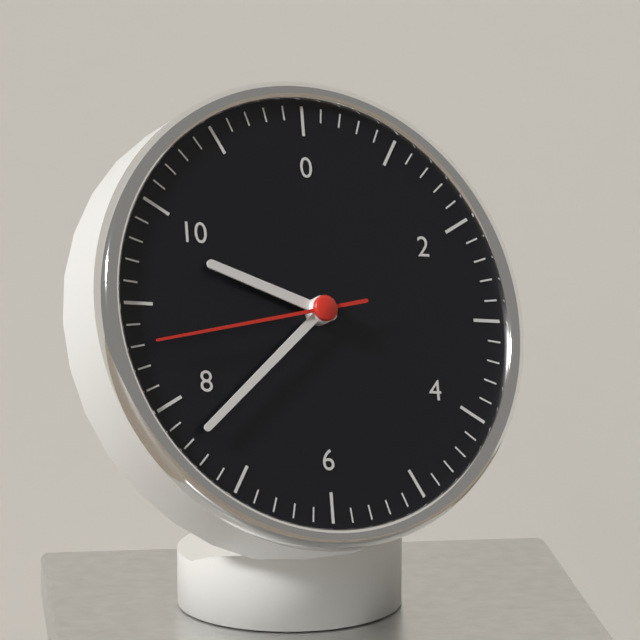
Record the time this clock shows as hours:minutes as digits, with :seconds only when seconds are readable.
9:38:43
